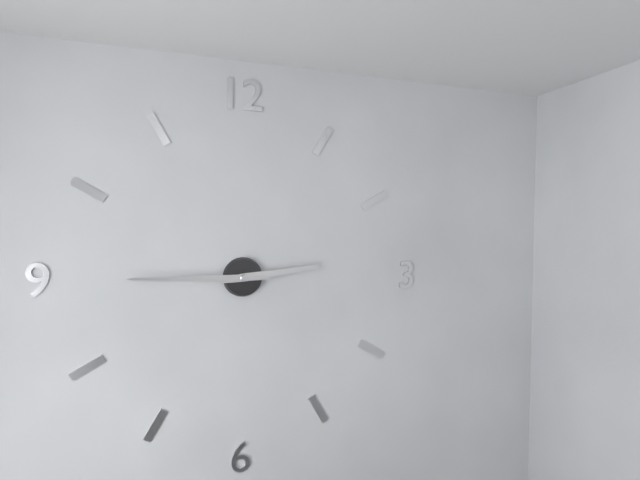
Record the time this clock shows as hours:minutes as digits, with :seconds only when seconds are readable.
2:45
